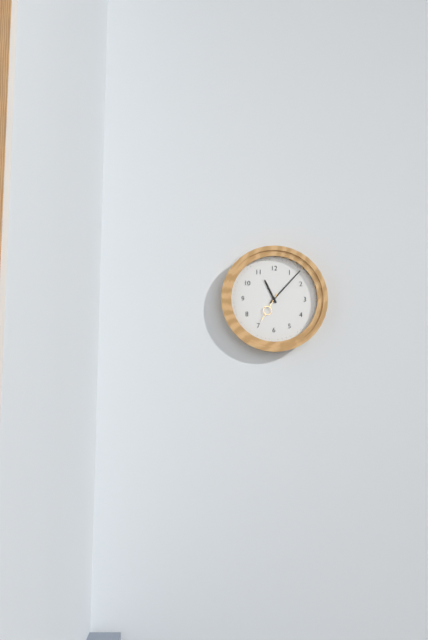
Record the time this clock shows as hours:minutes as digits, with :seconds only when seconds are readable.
11:07
